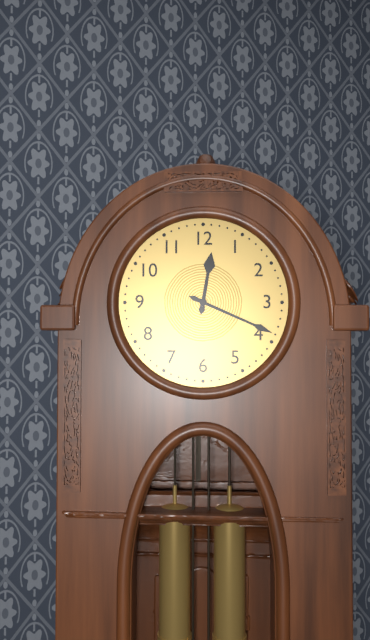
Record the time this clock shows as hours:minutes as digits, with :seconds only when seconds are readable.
12:19
